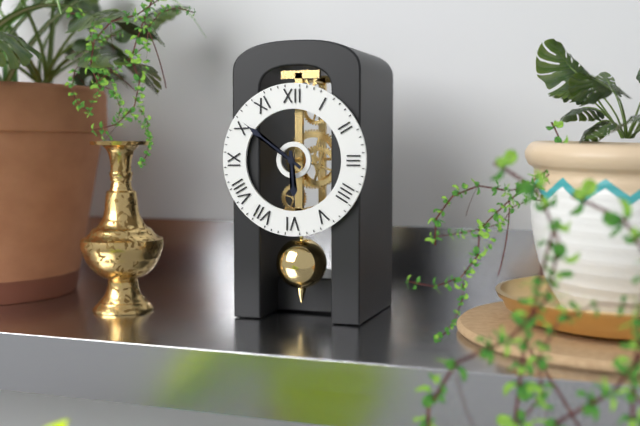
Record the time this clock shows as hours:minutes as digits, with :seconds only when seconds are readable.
5:51
